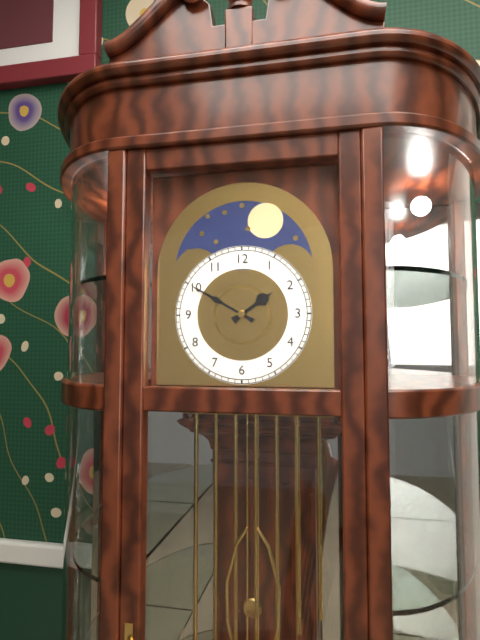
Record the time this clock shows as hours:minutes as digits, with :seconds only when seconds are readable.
1:50
